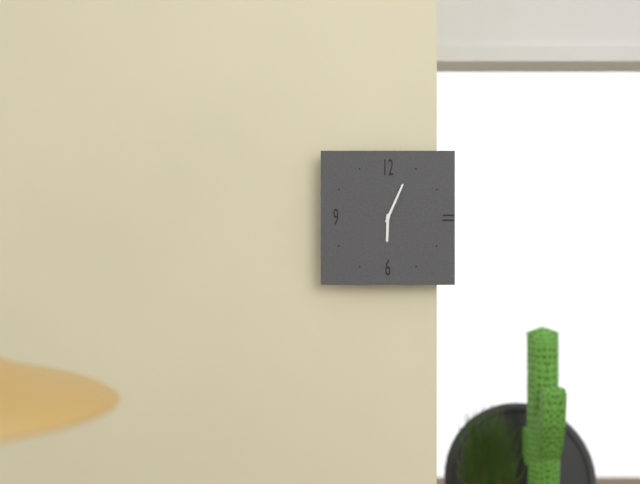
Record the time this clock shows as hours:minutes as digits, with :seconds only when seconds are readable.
6:04
